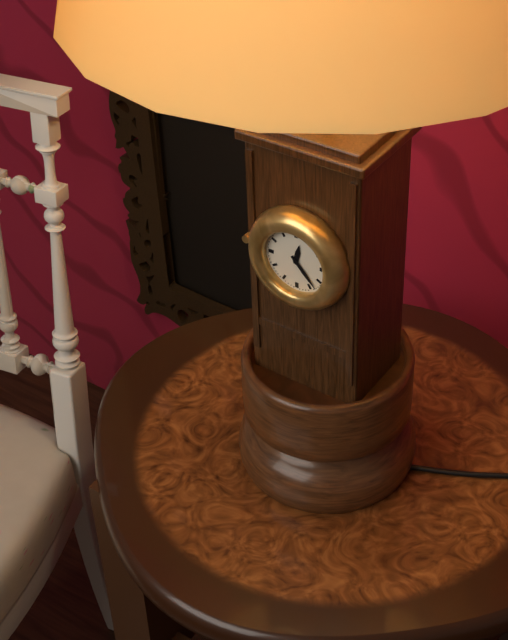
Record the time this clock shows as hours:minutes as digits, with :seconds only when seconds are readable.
12:23
